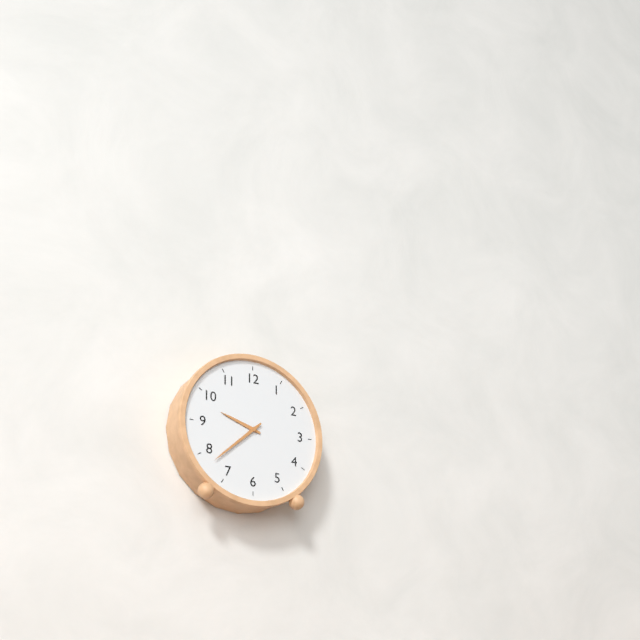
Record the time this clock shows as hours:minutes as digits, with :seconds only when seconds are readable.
9:38
